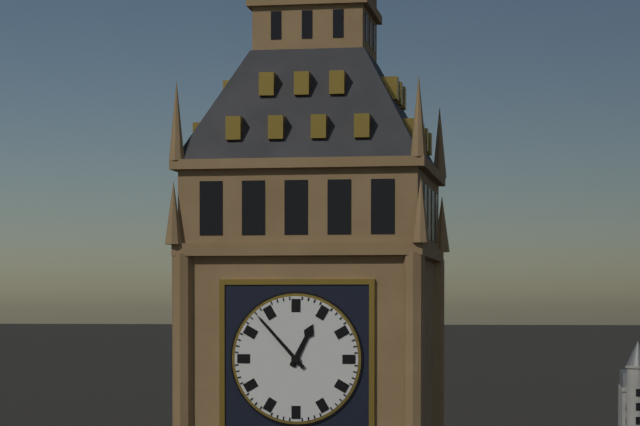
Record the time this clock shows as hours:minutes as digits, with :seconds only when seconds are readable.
12:53
